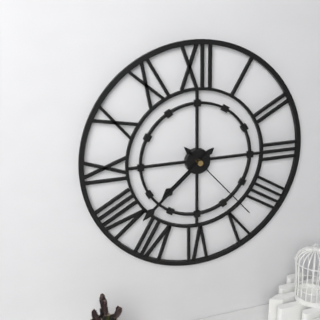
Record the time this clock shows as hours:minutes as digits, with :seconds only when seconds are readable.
7:38:23
